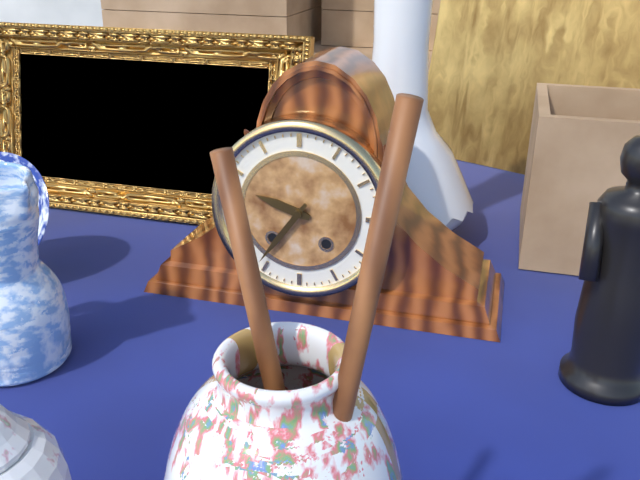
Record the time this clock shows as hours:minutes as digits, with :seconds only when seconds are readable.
9:36
